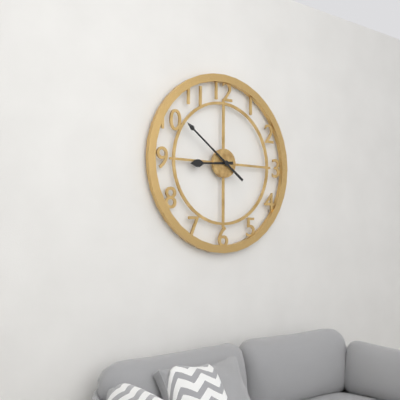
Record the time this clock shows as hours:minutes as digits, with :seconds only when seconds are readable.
8:51
